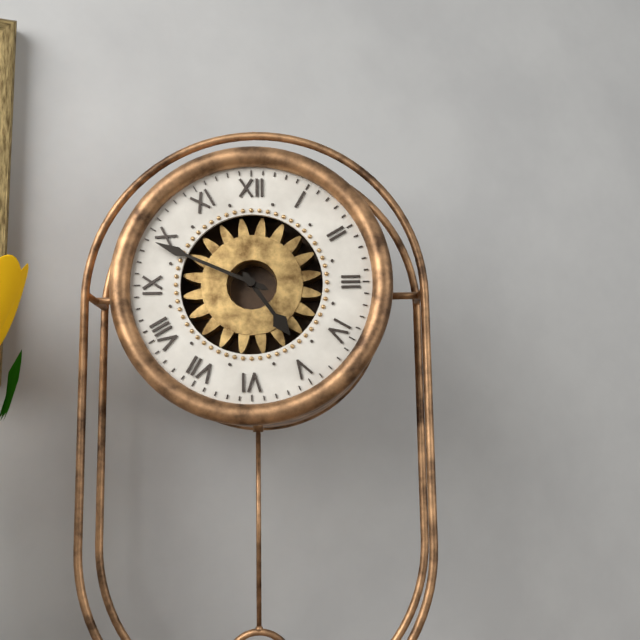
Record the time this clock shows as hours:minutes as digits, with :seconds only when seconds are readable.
4:49
